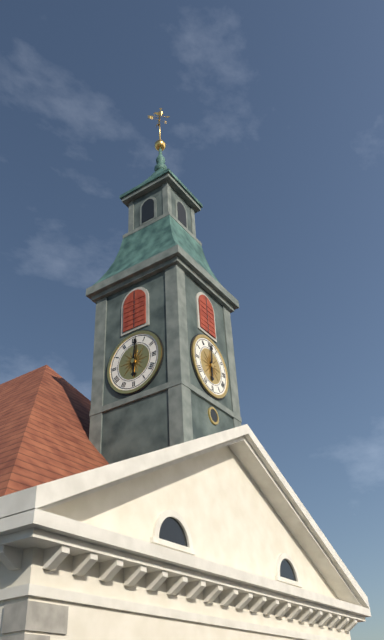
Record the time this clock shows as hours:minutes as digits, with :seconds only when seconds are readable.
6:01
